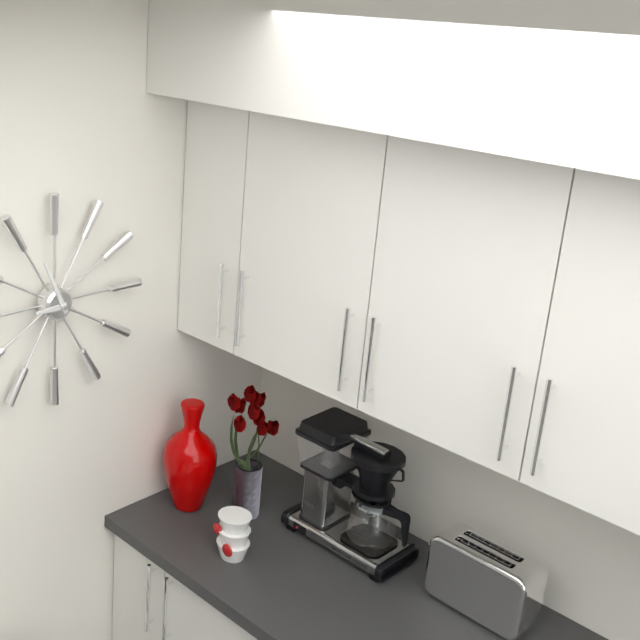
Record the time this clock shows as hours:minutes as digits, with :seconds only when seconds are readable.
8:56
